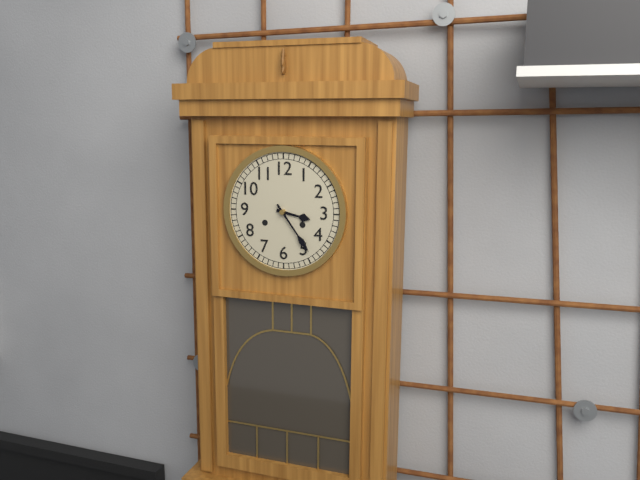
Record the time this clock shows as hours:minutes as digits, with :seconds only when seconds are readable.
3:24
